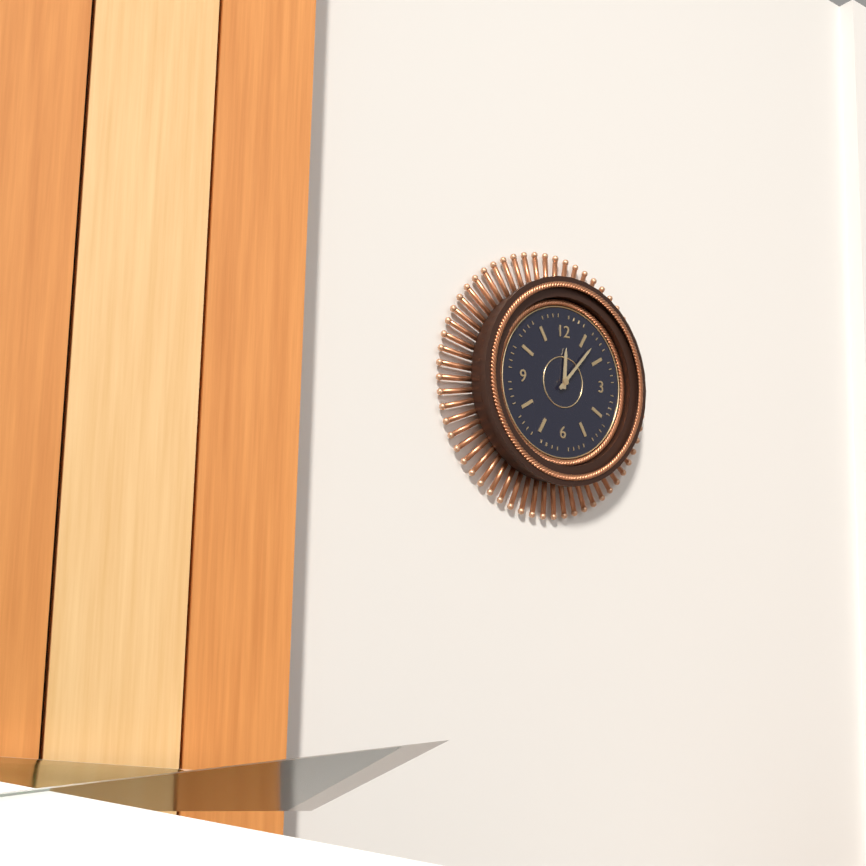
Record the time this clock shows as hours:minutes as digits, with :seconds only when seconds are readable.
12:07
